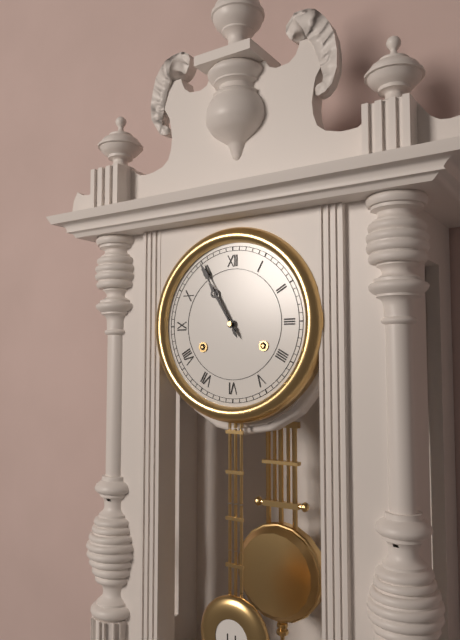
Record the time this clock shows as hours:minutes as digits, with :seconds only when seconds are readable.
10:55
